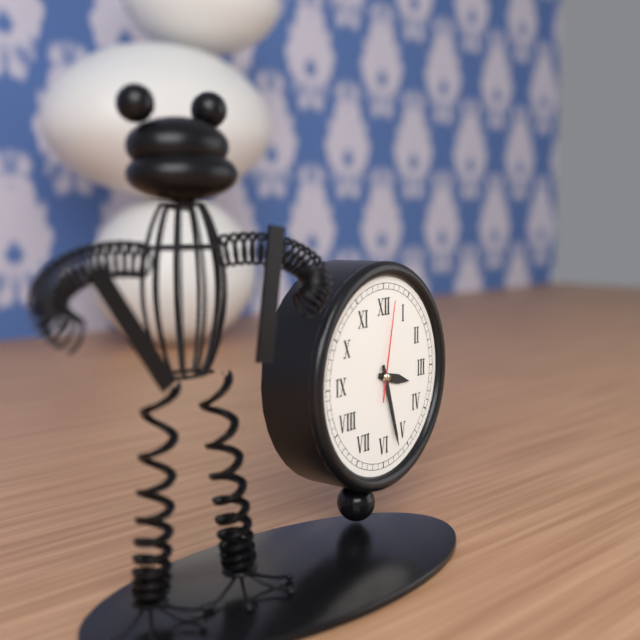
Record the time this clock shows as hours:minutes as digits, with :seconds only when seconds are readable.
3:27:02
